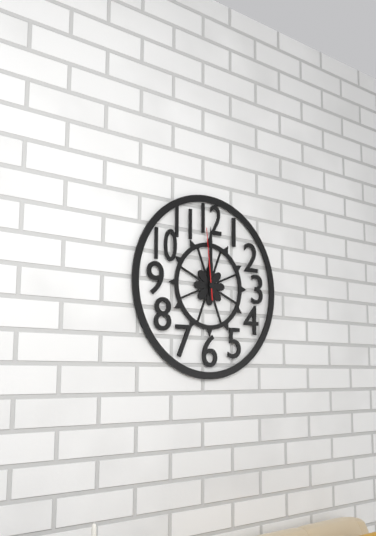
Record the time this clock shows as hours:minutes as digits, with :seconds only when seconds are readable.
12:00:59
